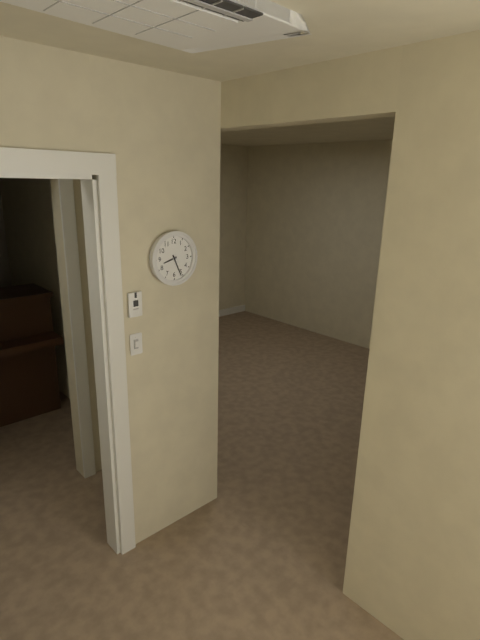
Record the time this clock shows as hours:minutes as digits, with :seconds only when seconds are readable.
8:26
